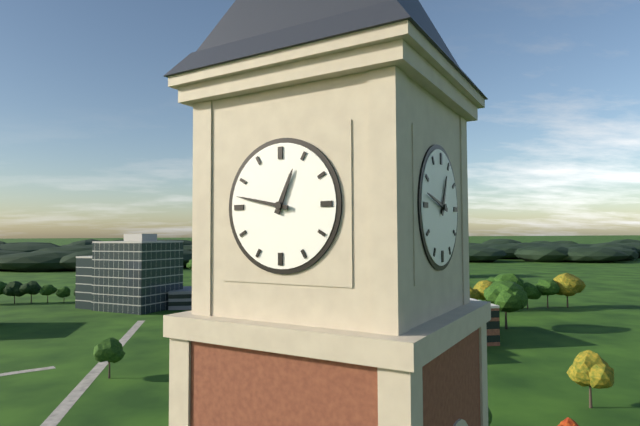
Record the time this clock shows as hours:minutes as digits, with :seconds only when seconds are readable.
12:47
